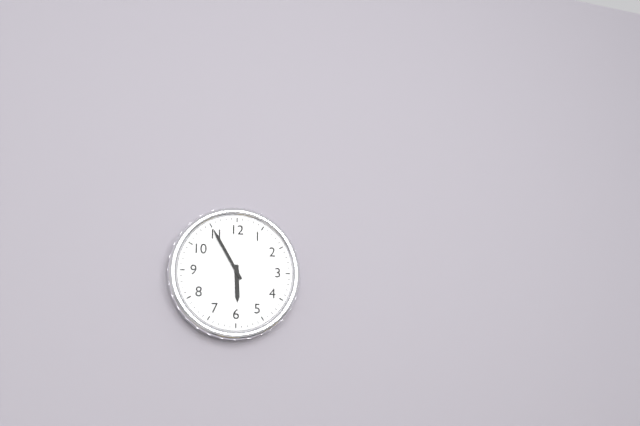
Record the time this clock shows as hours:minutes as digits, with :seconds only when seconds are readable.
5:55
